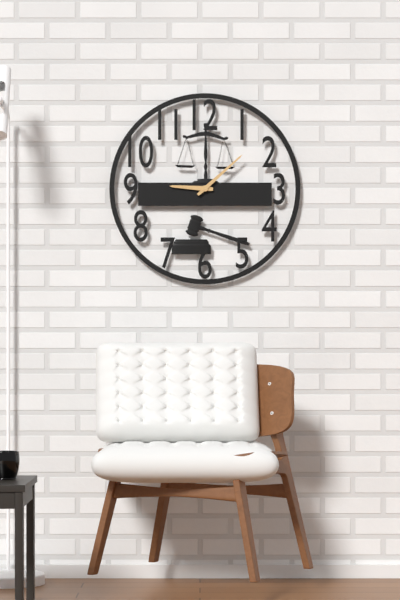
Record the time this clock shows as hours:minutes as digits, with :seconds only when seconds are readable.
9:08
